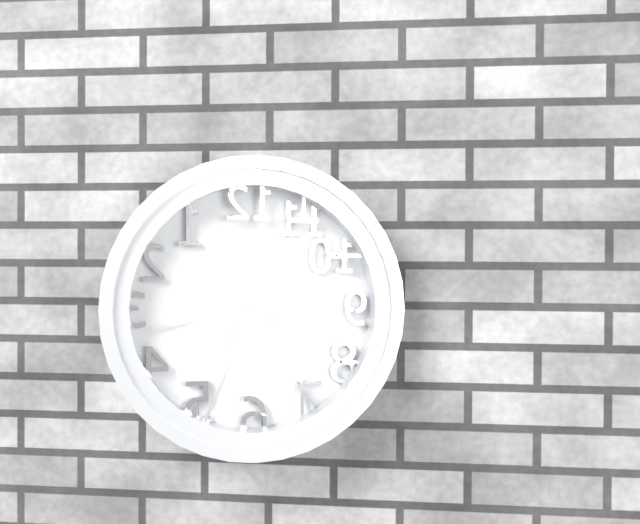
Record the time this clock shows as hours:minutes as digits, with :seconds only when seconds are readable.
8:34
